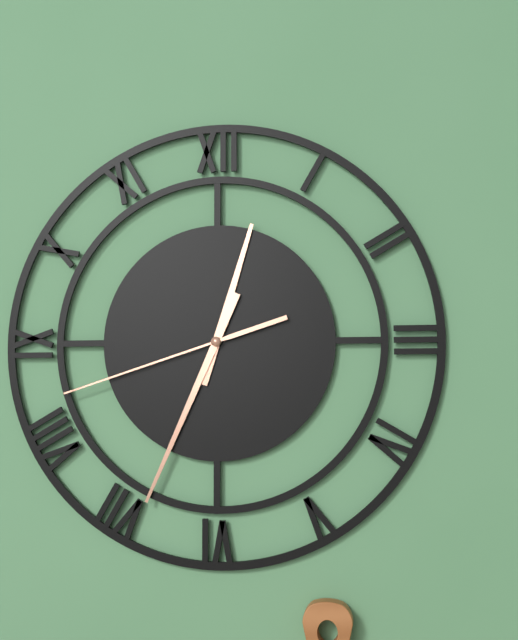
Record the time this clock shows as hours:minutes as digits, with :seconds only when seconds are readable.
12:34:42
